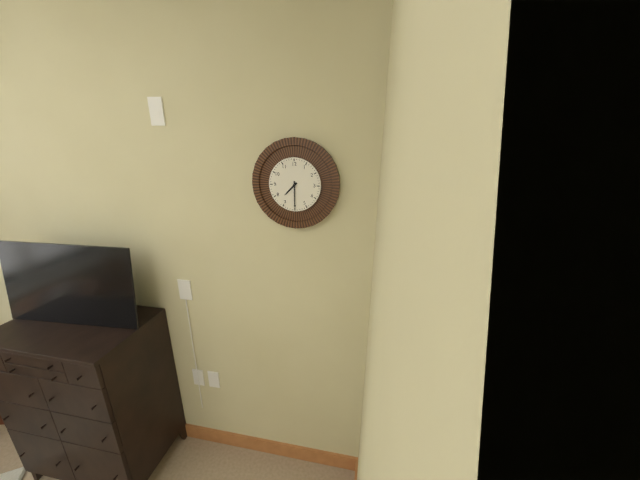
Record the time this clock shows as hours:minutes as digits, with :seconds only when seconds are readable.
7:30
